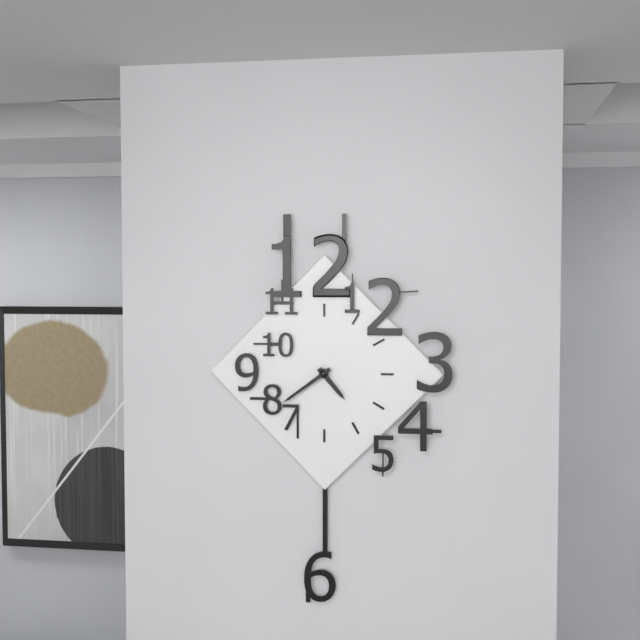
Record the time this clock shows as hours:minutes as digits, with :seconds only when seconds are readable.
4:39
